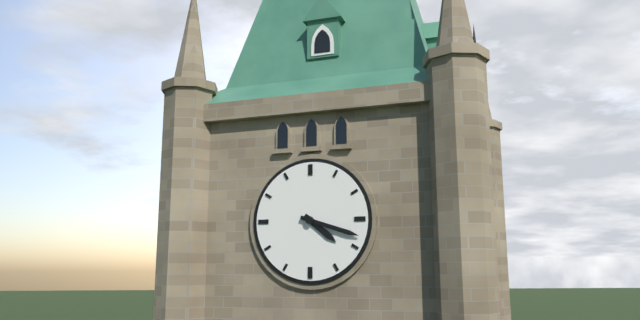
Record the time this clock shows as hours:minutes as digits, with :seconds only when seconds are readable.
4:18
